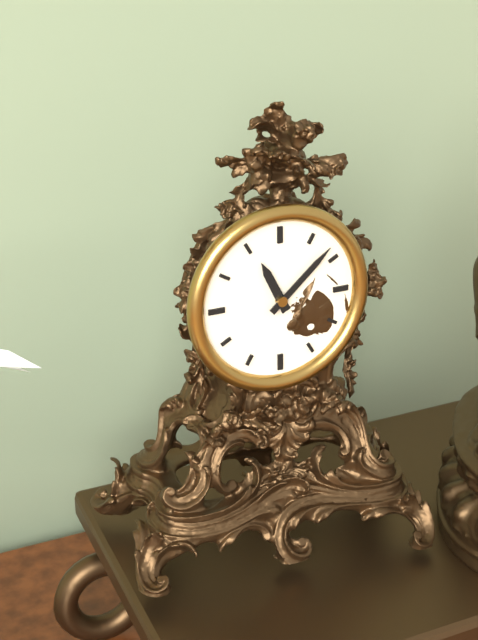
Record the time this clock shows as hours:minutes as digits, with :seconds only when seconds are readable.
11:08
